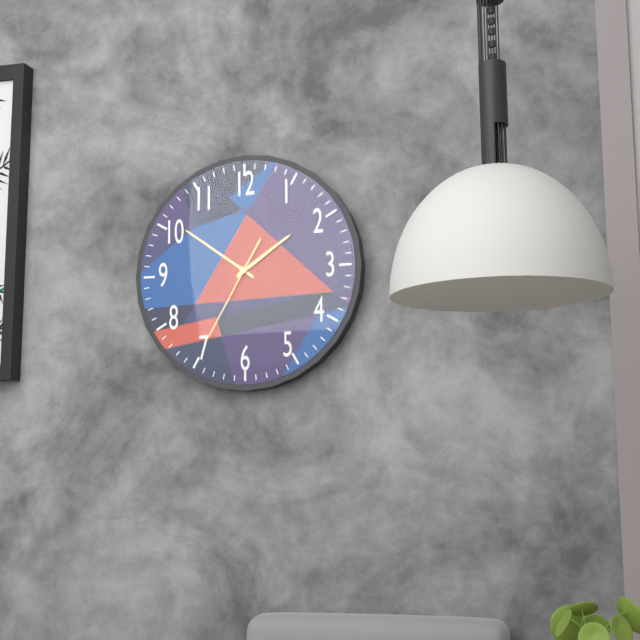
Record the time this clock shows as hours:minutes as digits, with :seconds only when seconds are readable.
1:51:35
